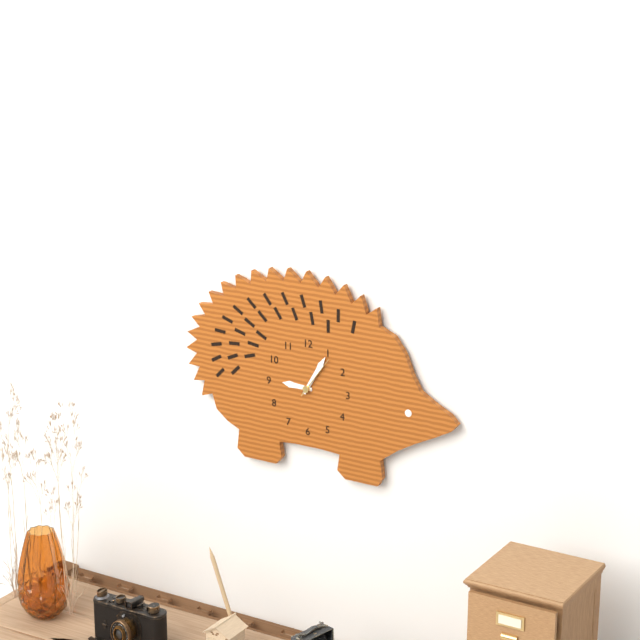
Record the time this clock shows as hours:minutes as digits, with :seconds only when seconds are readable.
9:05
